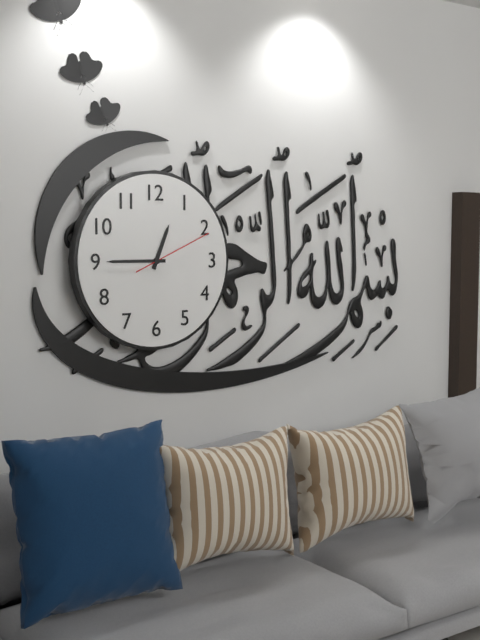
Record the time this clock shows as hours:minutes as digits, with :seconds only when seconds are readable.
12:45:11
